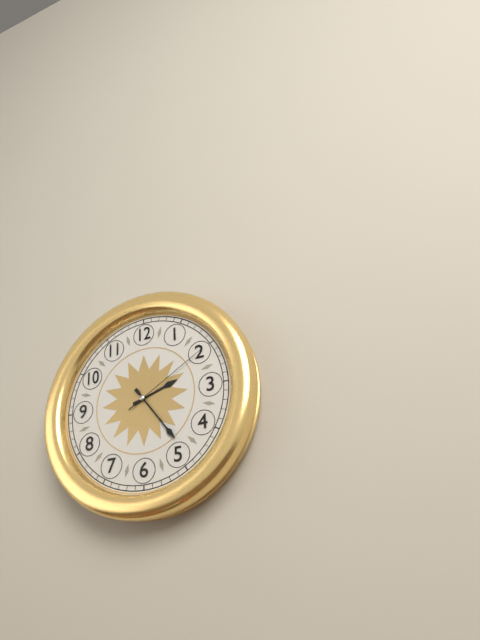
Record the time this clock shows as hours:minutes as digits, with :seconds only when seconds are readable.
2:24:10
